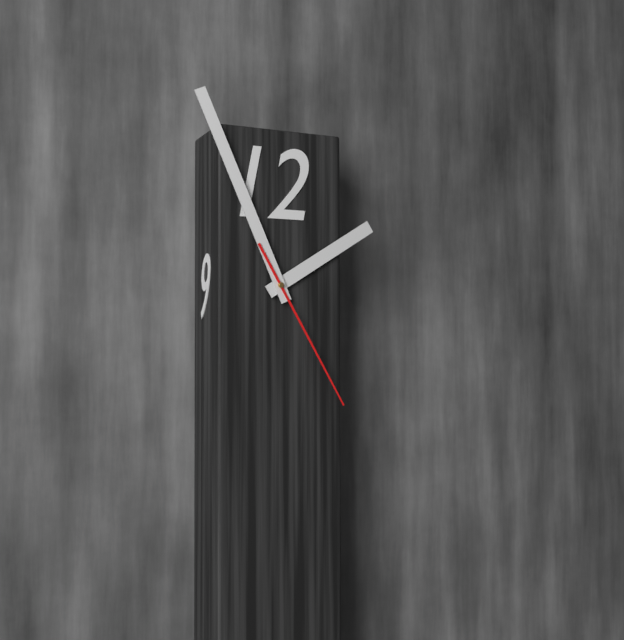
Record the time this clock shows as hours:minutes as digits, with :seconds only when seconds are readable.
1:56:25
